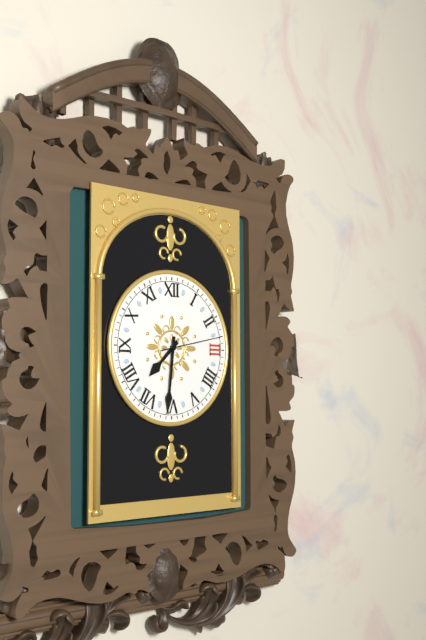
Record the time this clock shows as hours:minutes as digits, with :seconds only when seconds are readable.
7:31:13
